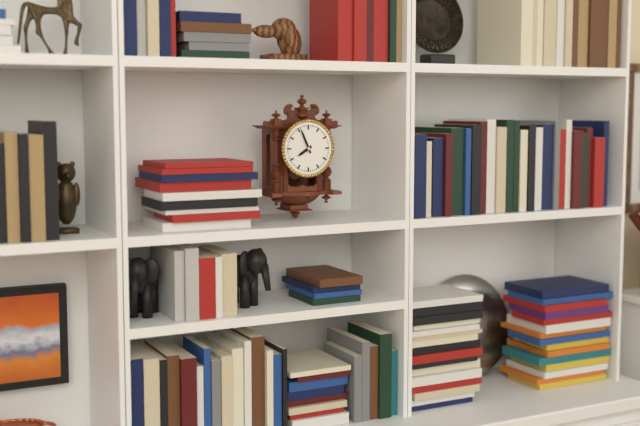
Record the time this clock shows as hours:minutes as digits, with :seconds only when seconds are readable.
7:56
